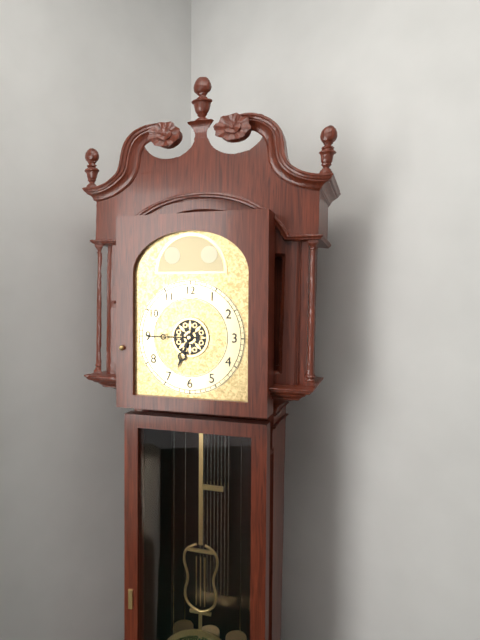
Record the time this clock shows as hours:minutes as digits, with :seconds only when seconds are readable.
6:45
